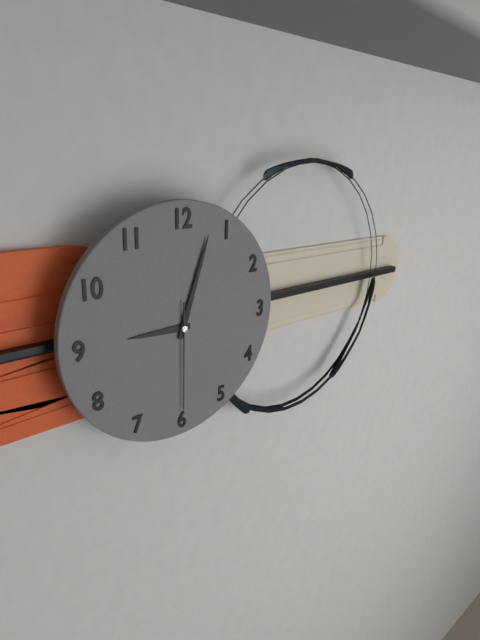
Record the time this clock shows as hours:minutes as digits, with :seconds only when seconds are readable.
9:03:30
